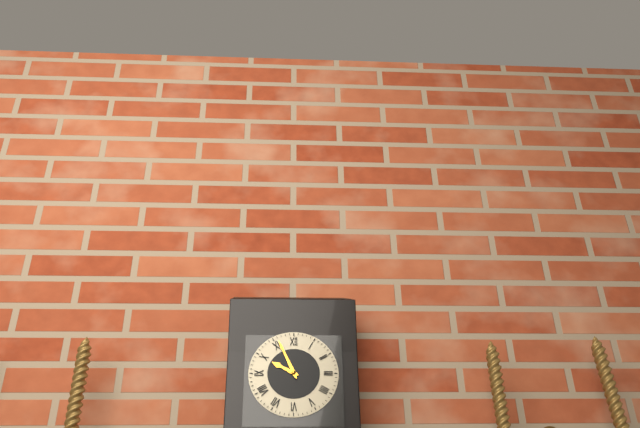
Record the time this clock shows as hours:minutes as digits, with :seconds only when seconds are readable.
9:56
